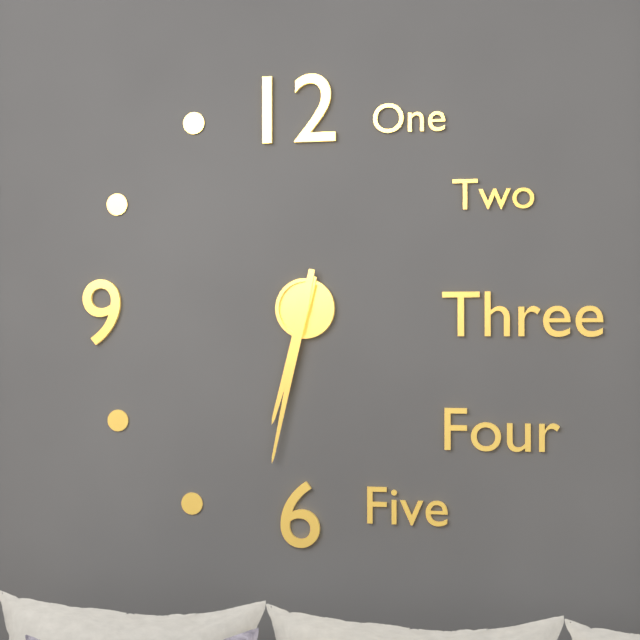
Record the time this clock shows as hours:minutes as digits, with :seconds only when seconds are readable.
6:32
